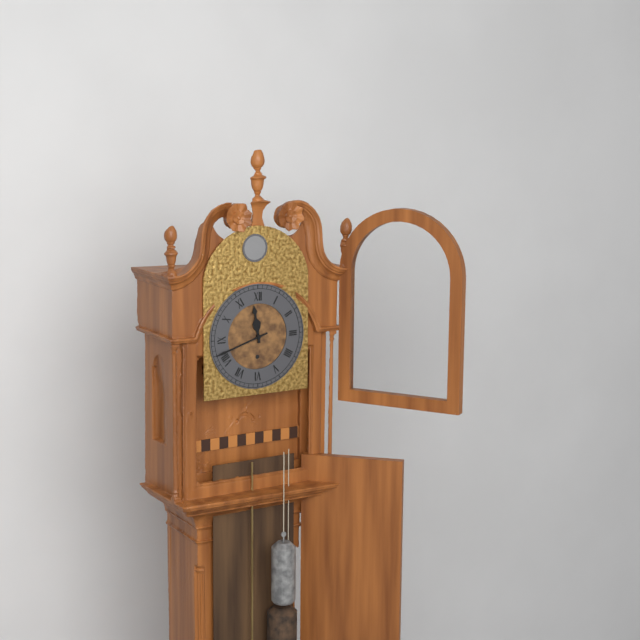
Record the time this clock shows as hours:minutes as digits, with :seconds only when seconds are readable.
11:42
